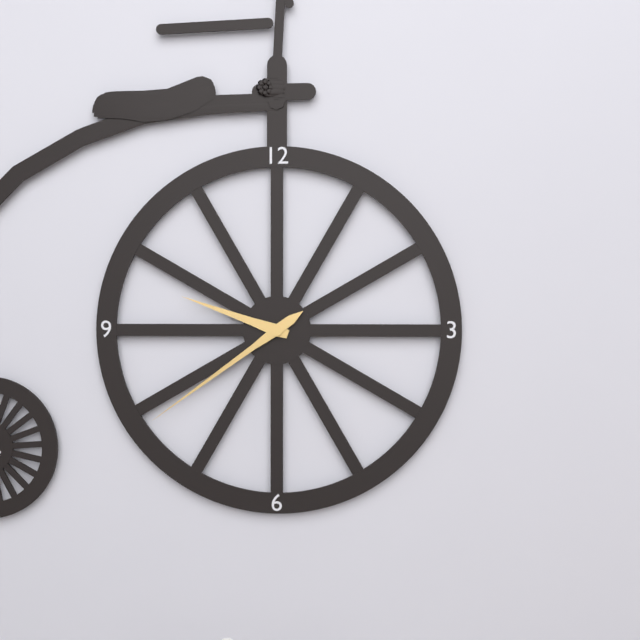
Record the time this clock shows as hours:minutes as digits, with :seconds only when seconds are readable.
9:39
